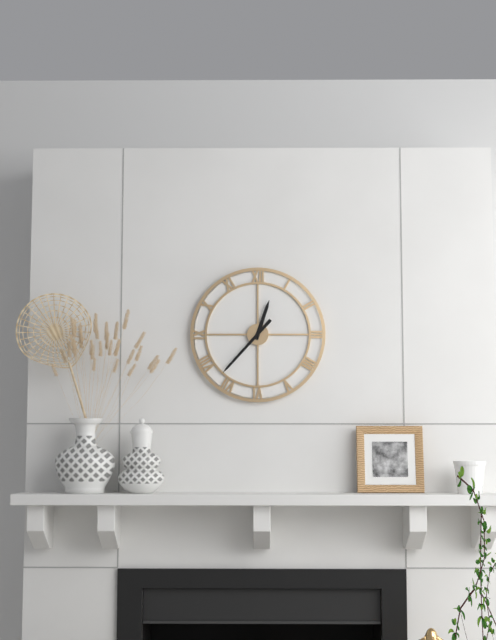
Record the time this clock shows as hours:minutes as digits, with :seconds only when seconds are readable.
12:37
